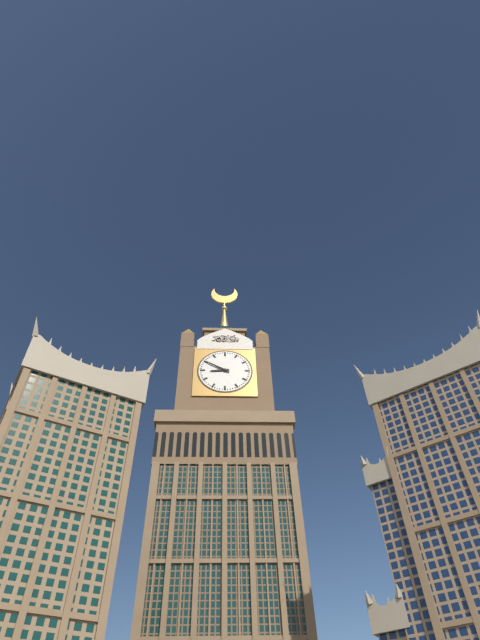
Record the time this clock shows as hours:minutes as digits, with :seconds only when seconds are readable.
8:50
